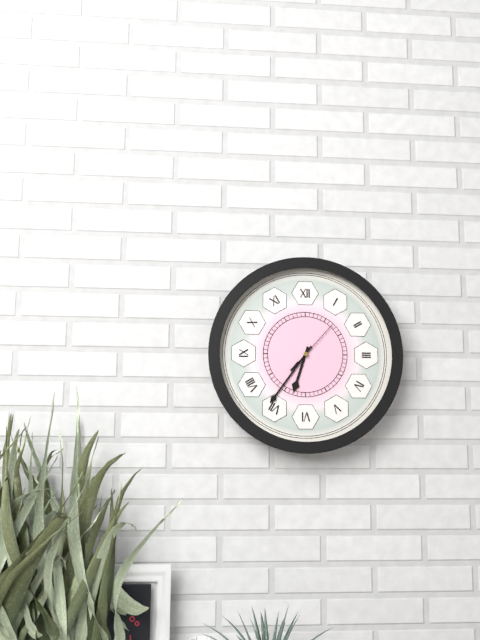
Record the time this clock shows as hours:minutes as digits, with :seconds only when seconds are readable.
6:36
